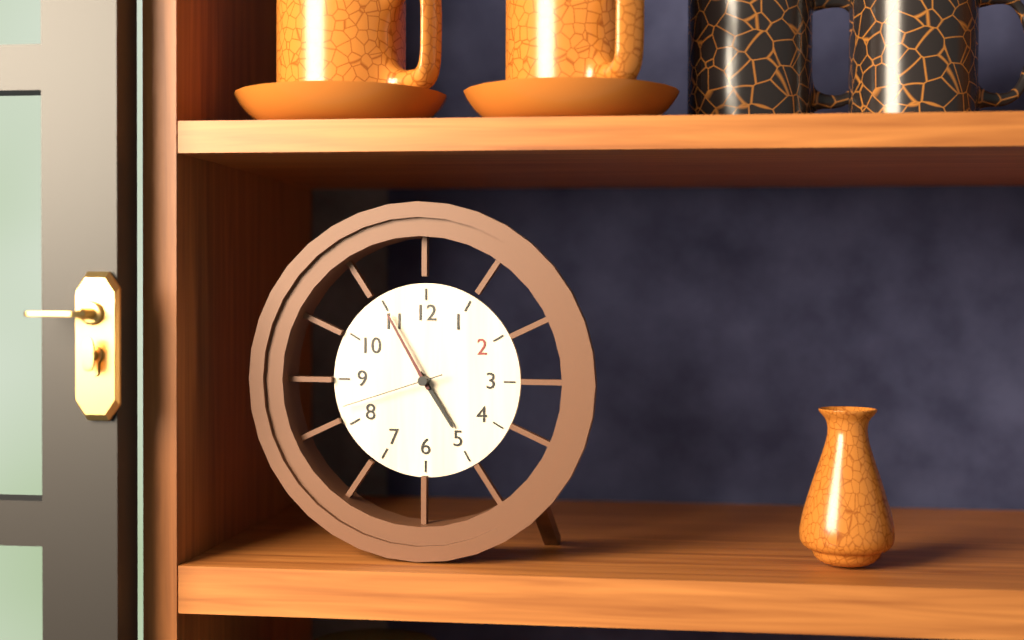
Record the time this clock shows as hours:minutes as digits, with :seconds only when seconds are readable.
4:55:42
